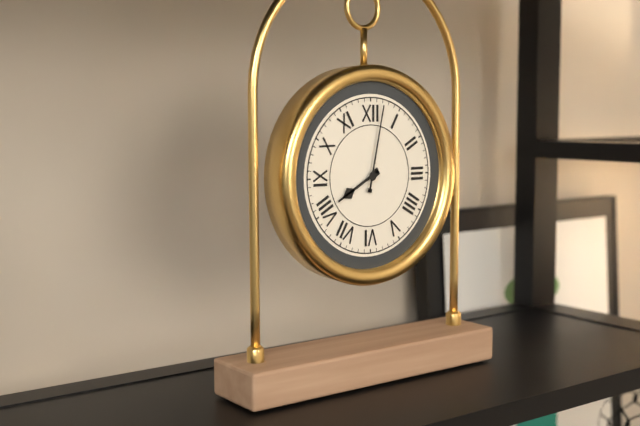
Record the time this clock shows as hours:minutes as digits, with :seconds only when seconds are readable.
8:02
